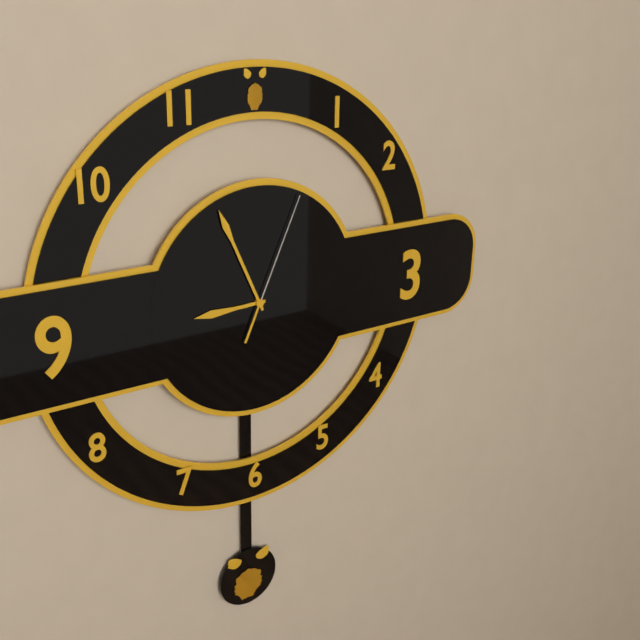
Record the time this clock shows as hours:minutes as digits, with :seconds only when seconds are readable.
8:56:04
